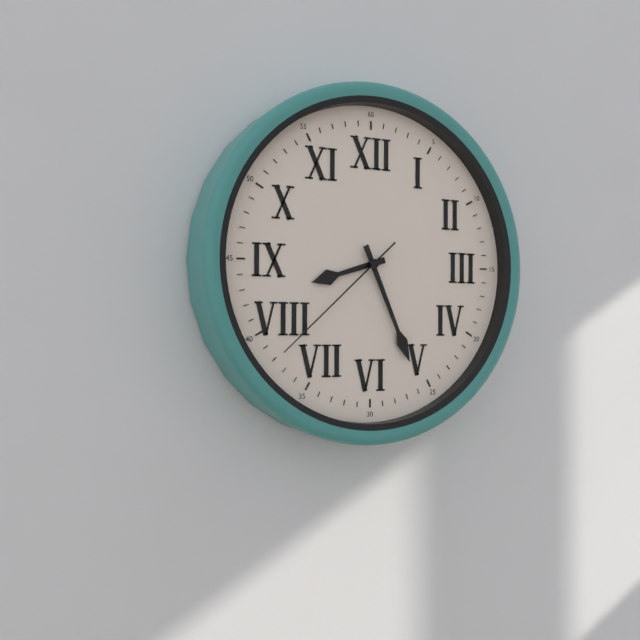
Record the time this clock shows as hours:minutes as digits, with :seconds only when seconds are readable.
8:26:38
